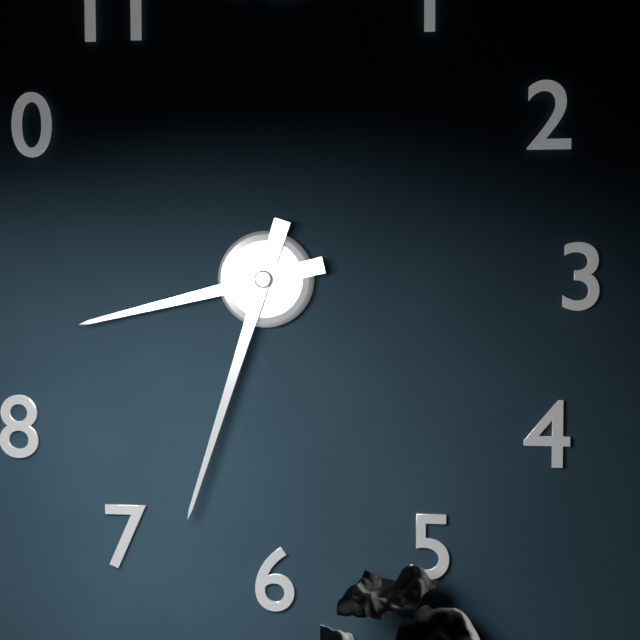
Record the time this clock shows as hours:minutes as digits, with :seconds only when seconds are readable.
8:33
